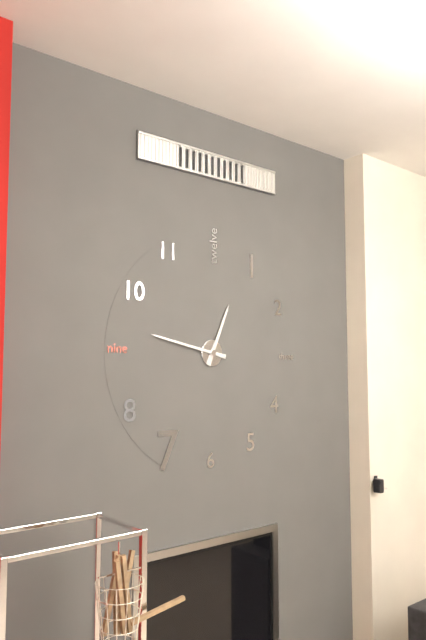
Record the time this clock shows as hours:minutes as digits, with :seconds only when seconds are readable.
12:47
